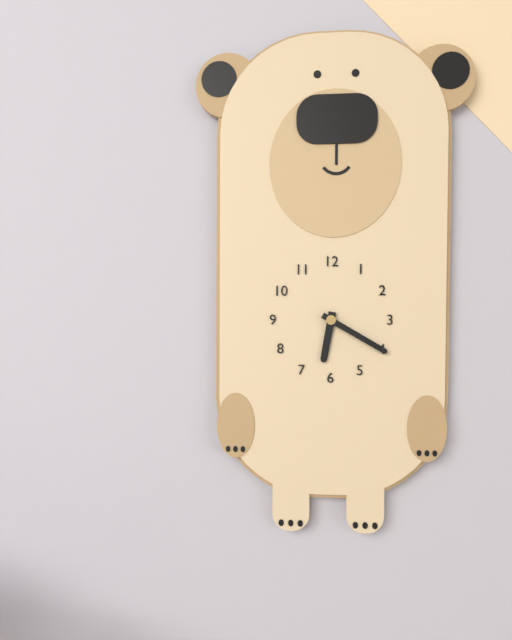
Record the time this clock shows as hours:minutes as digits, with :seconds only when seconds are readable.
6:20
